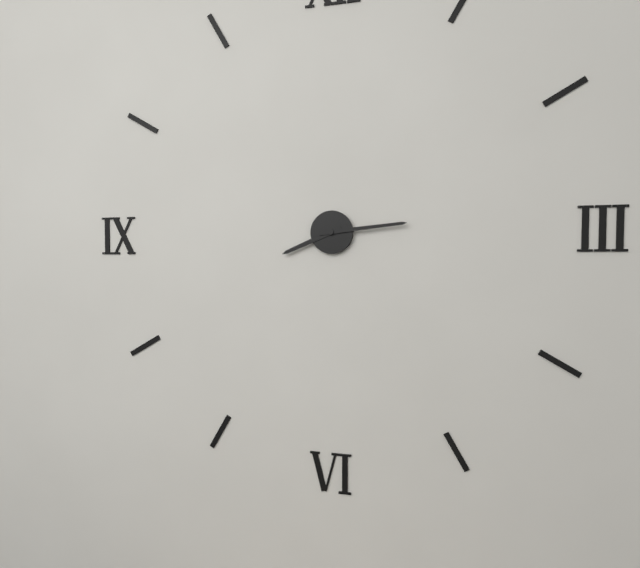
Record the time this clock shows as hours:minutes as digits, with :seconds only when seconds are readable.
8:14
